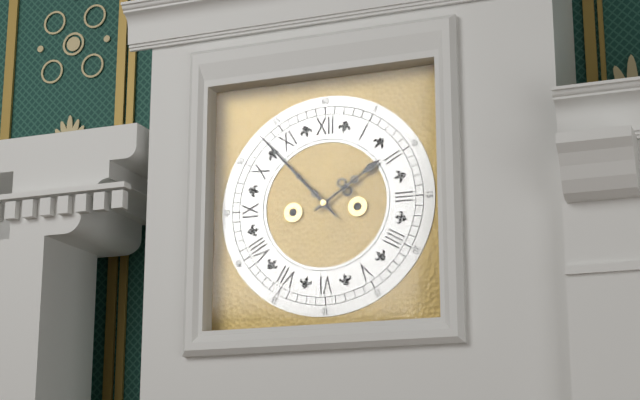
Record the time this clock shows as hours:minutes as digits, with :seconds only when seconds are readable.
1:53
